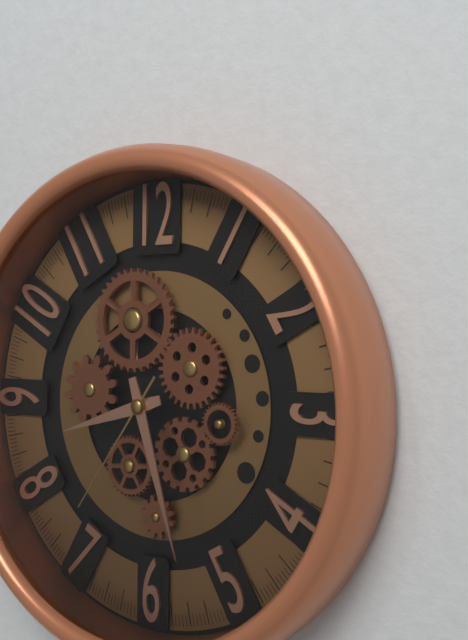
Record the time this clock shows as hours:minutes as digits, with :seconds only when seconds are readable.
8:27:36
